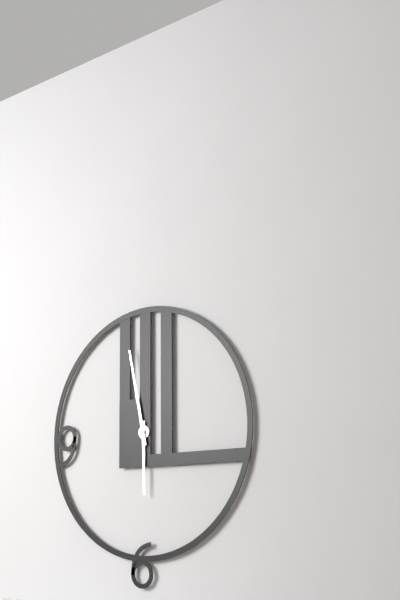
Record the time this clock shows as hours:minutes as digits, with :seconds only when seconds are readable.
5:58
